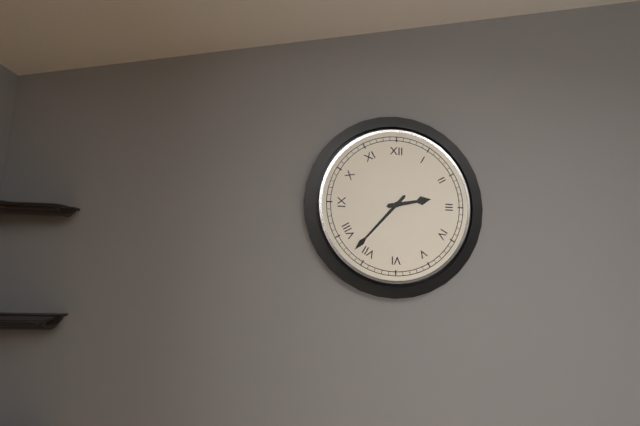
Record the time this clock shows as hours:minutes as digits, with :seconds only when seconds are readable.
2:37
